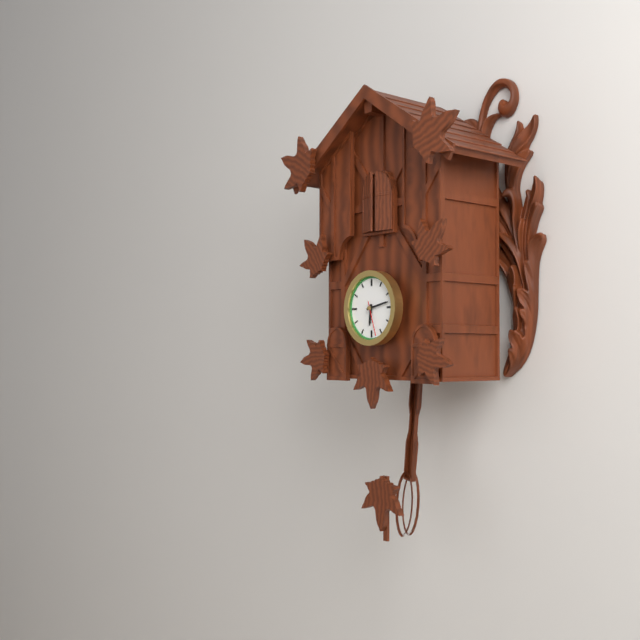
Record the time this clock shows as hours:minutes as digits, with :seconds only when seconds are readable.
6:13
